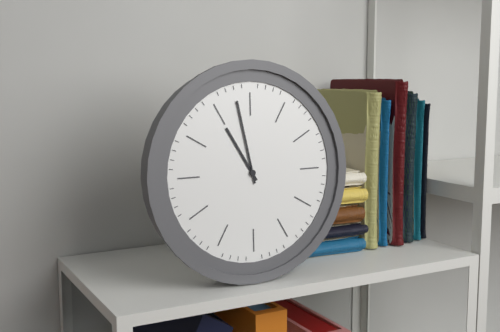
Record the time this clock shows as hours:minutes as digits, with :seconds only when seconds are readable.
10:58
